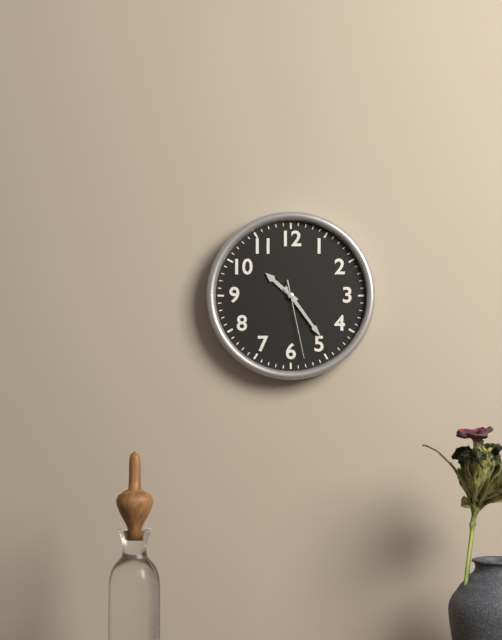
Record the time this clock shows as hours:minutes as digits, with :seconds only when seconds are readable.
10:24:28
